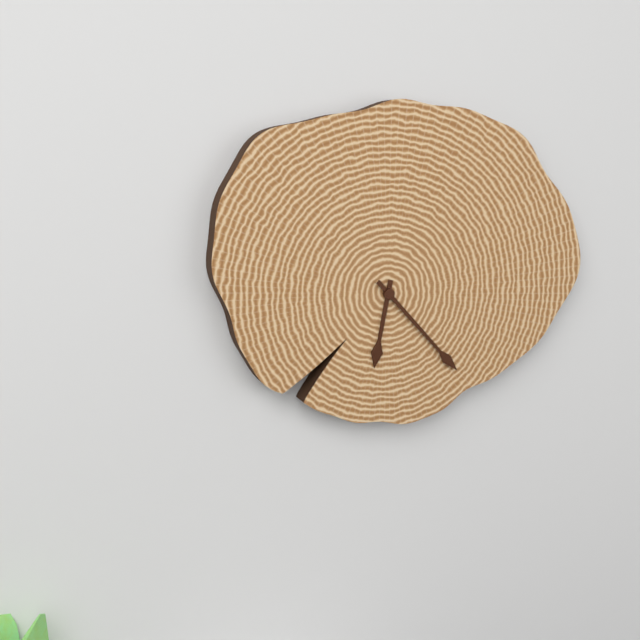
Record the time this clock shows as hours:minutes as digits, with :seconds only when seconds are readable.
6:23
